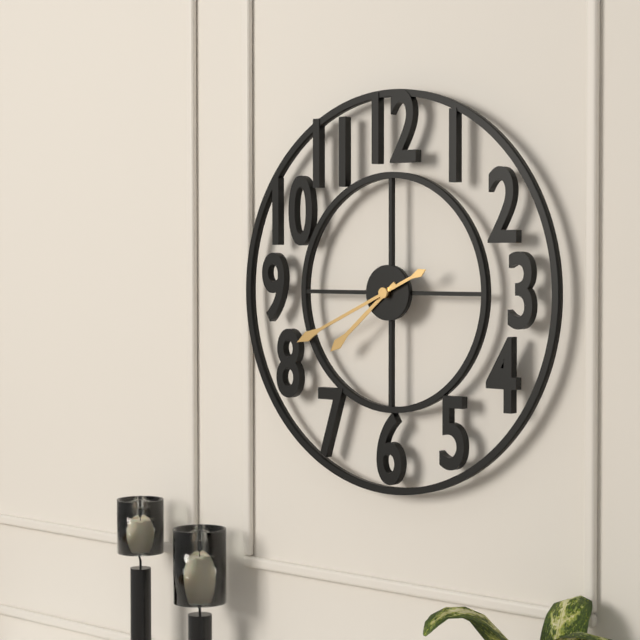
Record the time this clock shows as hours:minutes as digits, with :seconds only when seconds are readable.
7:41
